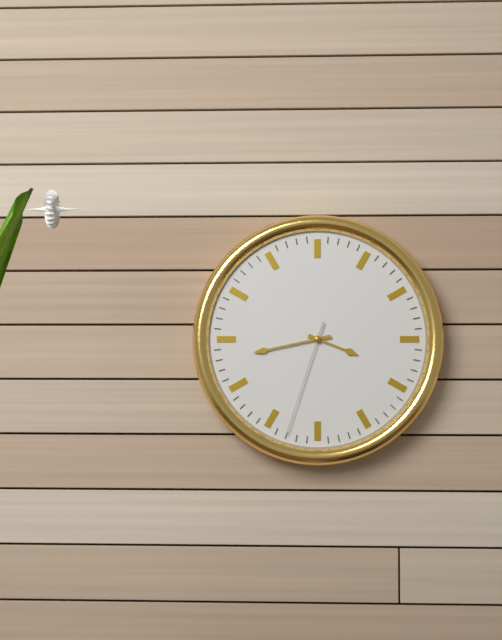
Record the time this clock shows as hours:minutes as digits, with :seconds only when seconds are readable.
3:43:33
